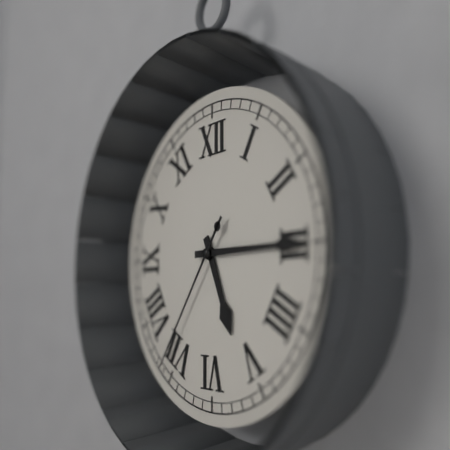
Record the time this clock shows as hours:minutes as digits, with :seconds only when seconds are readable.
5:15:36
